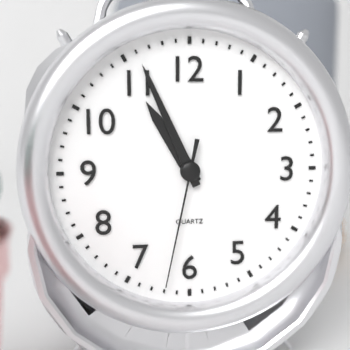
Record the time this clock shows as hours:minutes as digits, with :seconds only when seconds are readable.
10:56:32
